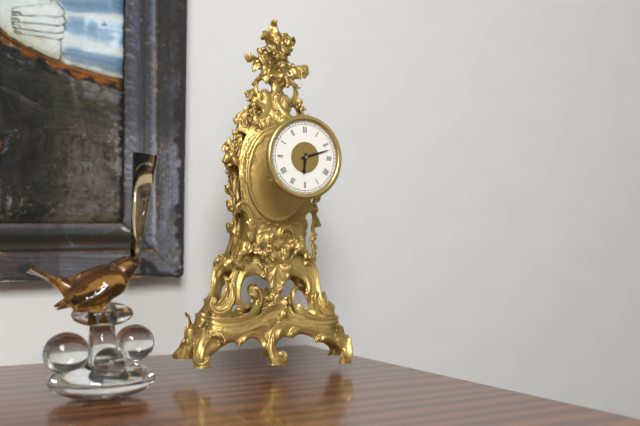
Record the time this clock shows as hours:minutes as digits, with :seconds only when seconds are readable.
6:12
